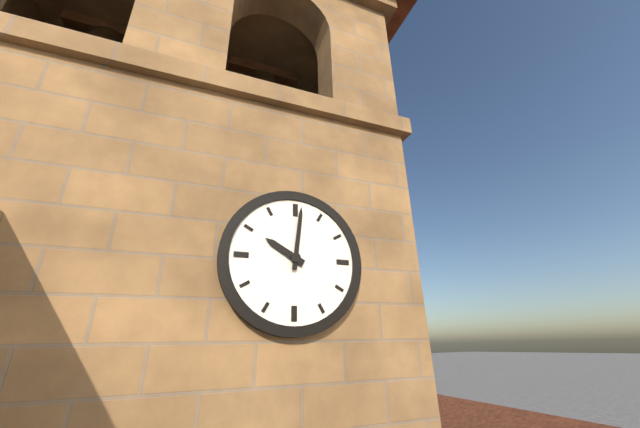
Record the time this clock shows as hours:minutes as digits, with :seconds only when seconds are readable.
10:01
